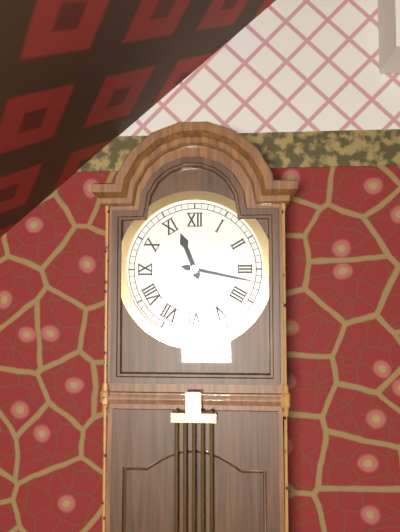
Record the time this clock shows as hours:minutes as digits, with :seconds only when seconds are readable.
11:17
